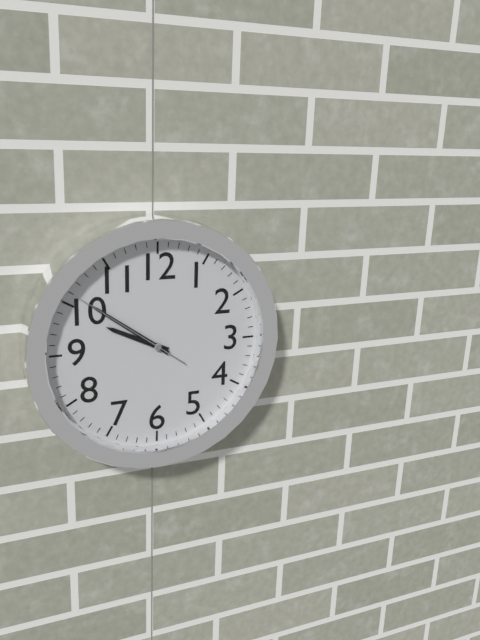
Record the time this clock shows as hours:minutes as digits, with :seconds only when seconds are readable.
9:51:51
